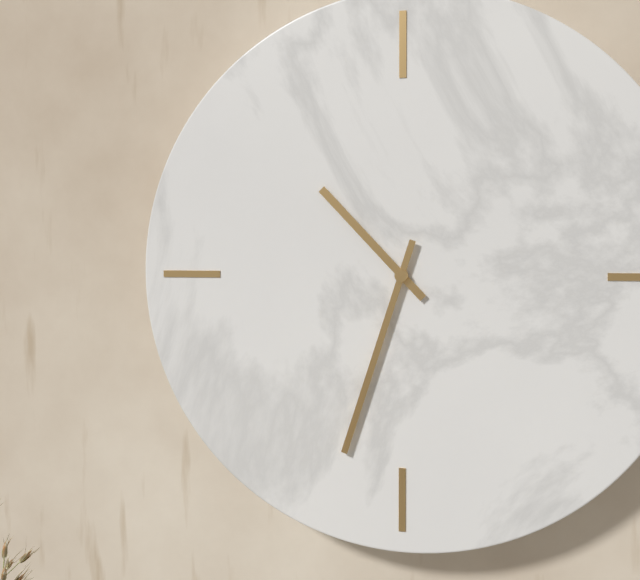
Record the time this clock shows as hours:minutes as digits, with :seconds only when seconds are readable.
10:33
